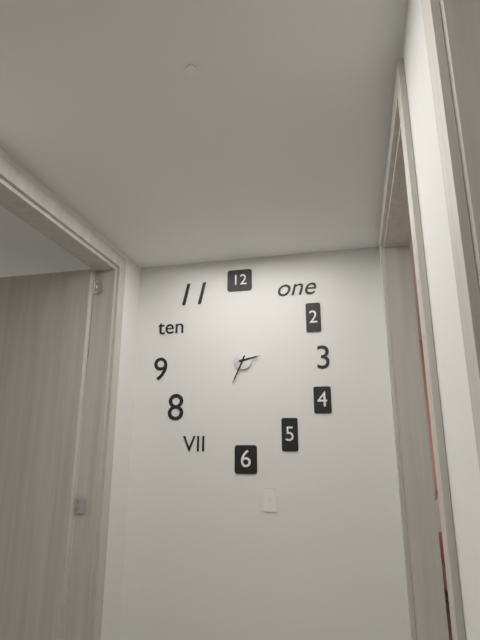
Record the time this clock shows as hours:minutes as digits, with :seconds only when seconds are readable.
2:34
